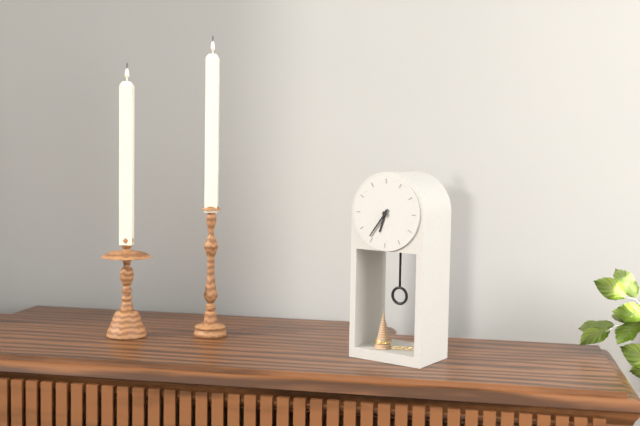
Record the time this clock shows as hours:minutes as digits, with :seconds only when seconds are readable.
6:36
